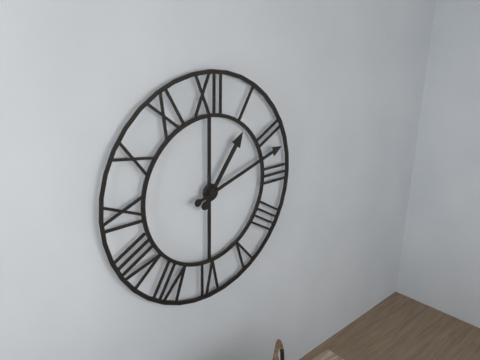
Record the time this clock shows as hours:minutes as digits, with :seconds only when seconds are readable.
1:12
